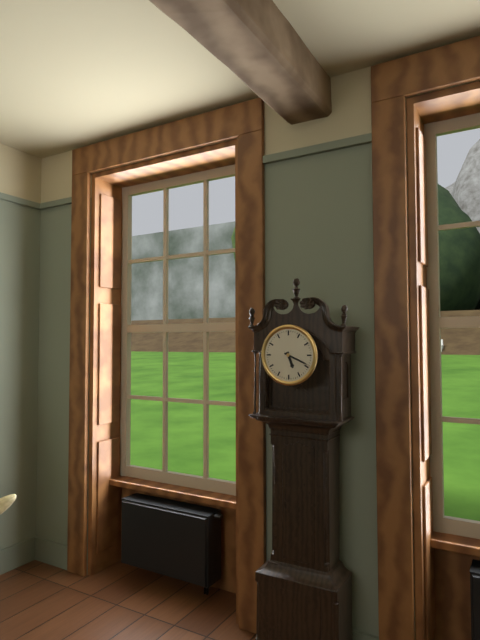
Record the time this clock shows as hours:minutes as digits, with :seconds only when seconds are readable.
5:19
